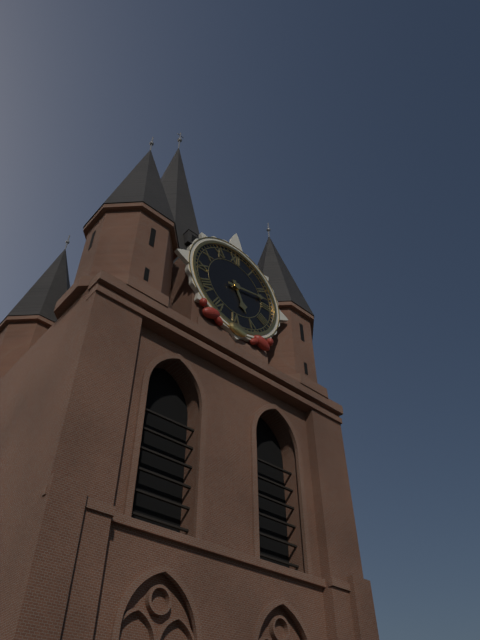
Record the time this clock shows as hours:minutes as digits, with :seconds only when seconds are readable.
5:13
